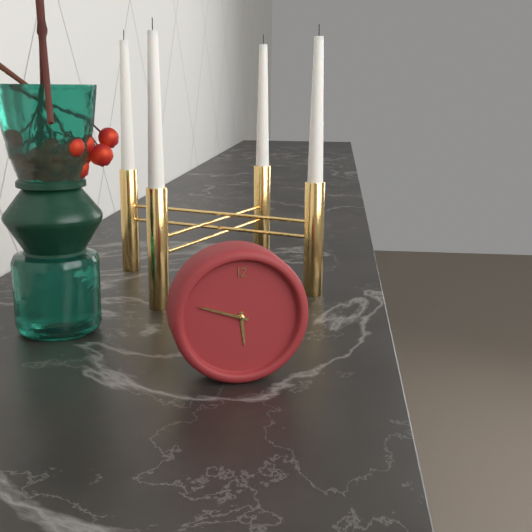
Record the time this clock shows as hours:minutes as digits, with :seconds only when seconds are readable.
5:48
